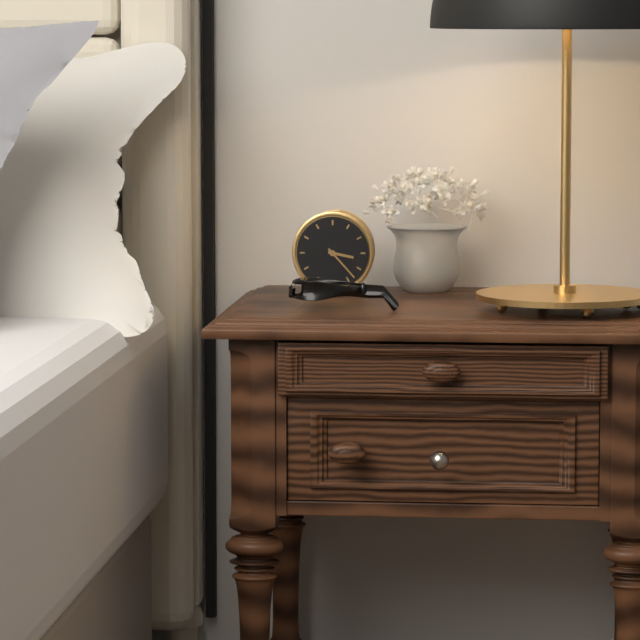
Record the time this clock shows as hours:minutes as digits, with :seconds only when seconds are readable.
3:23
